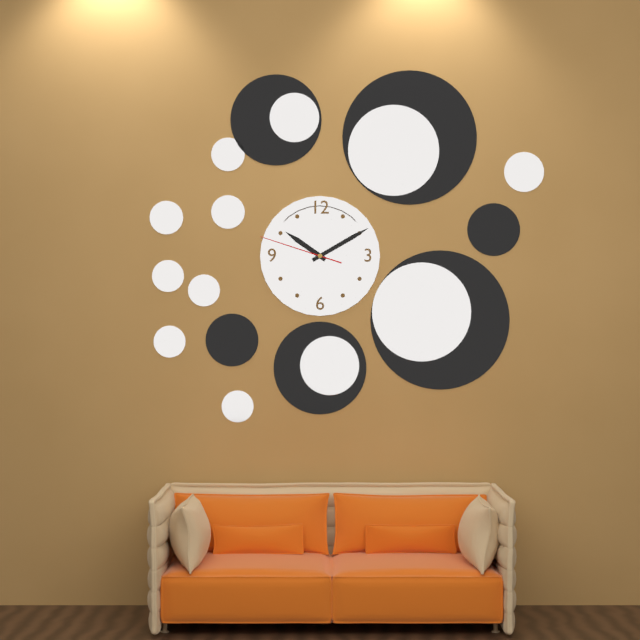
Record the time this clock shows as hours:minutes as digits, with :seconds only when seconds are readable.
10:10:48
